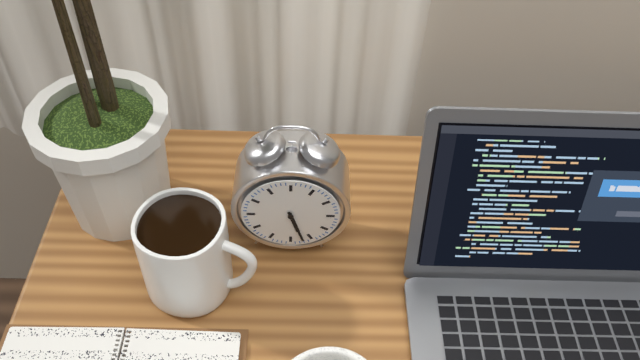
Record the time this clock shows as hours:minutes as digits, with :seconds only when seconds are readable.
5:27
